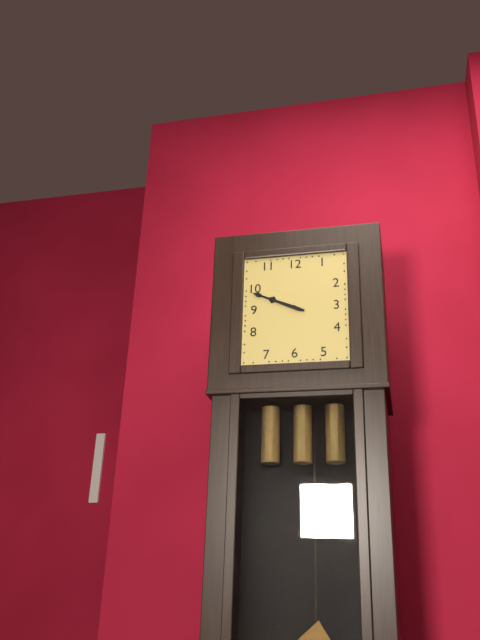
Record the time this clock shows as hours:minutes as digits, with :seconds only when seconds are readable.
9:49
